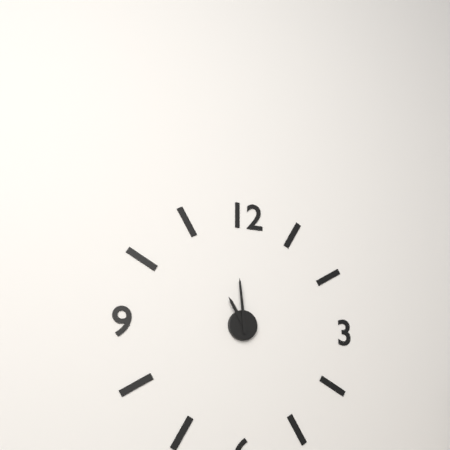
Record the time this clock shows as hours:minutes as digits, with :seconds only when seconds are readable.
10:59
